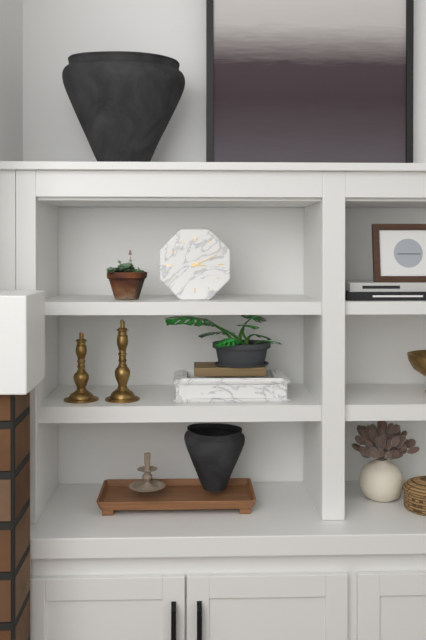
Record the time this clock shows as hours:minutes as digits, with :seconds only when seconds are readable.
3:11
